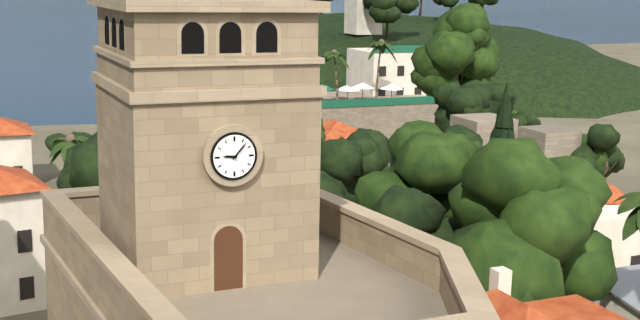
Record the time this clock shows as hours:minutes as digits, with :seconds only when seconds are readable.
9:07
